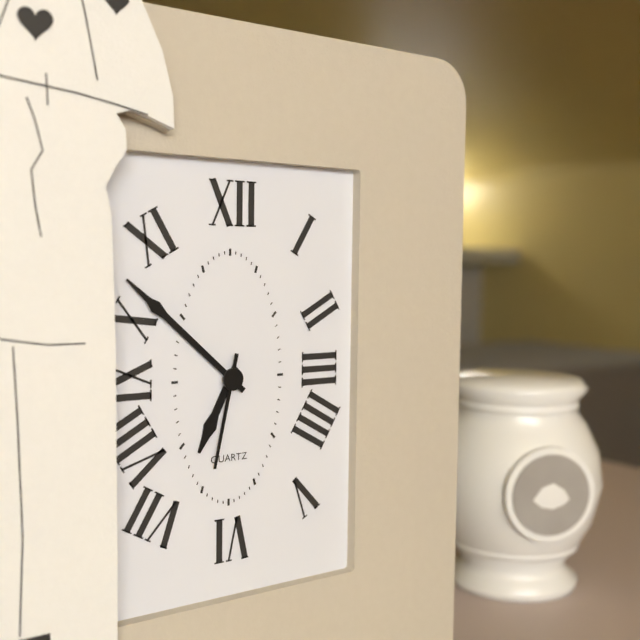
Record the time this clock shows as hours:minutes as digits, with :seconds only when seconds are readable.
6:52:32
